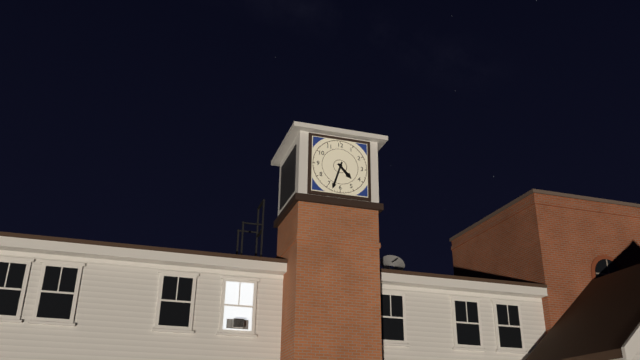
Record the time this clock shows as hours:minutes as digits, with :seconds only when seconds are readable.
4:33
